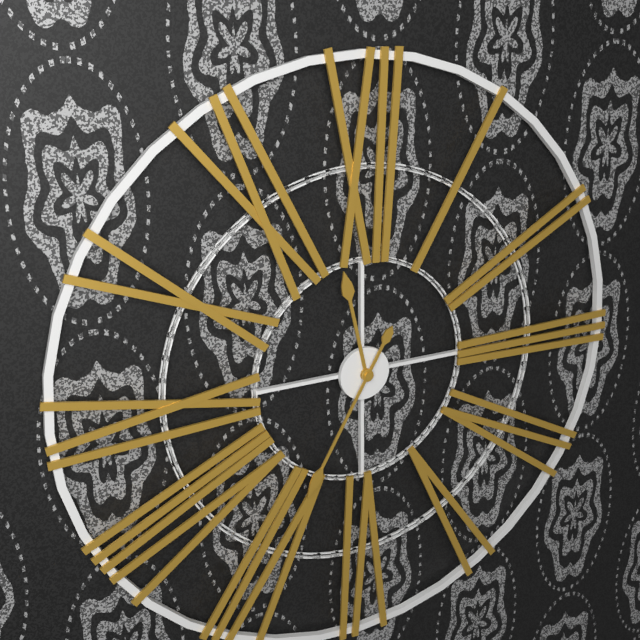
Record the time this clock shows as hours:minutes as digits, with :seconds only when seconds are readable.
11:35
